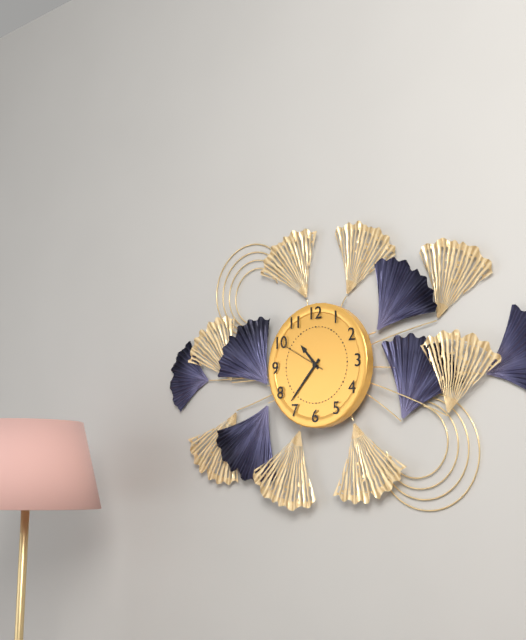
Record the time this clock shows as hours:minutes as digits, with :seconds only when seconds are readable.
10:37
